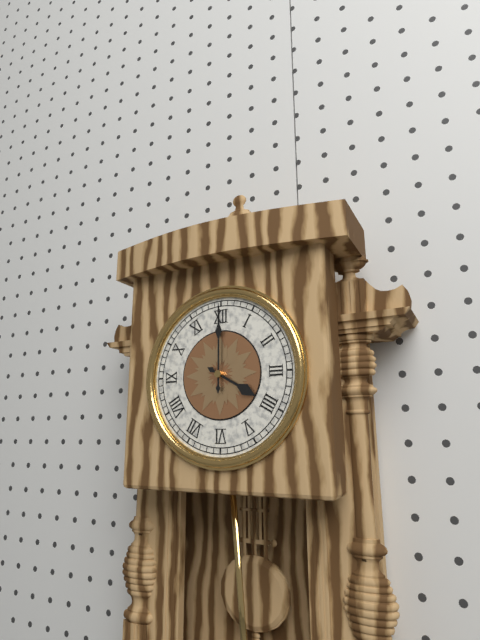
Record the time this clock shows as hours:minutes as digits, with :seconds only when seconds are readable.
4:00
